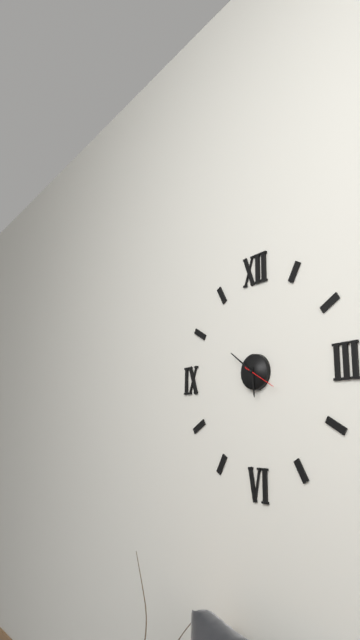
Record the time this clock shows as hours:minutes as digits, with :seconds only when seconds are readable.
5:51
